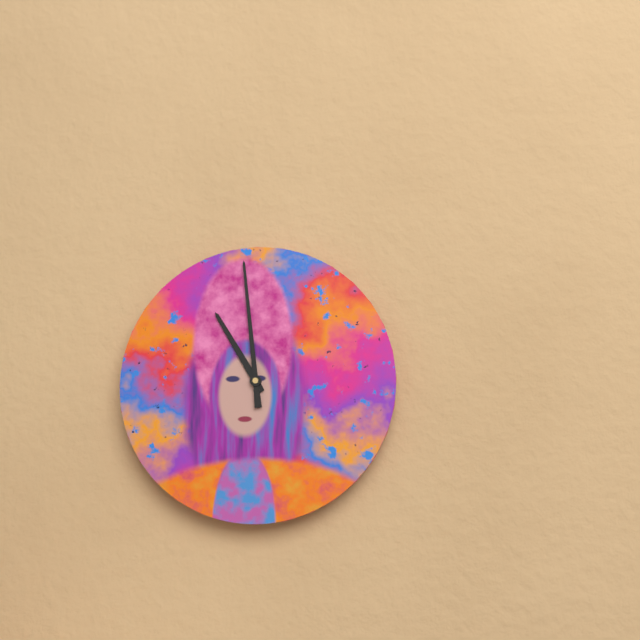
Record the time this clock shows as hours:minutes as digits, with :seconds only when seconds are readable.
10:59
